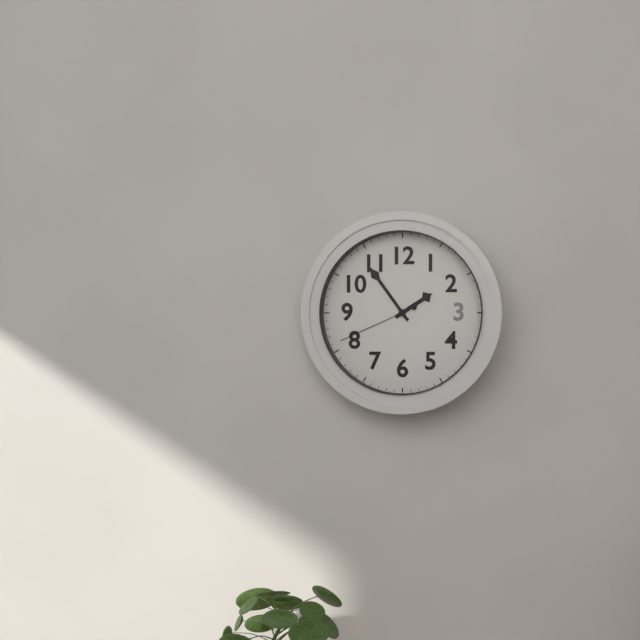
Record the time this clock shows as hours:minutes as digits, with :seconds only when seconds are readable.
1:54:41
